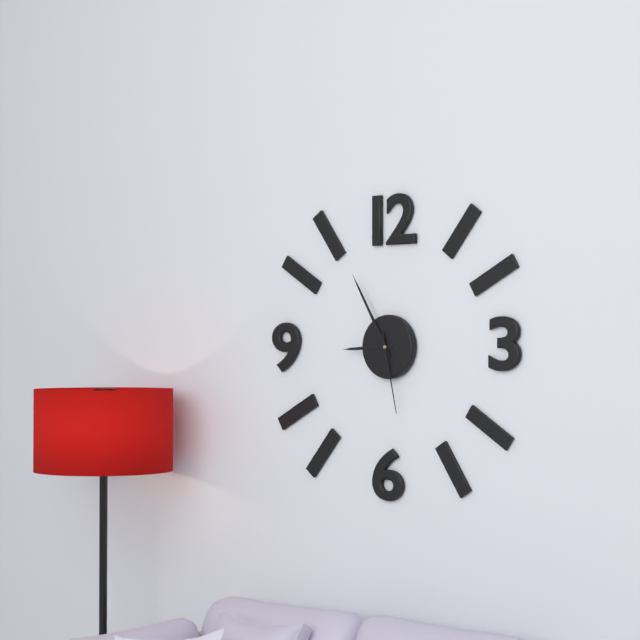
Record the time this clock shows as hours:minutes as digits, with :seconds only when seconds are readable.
8:55:28
